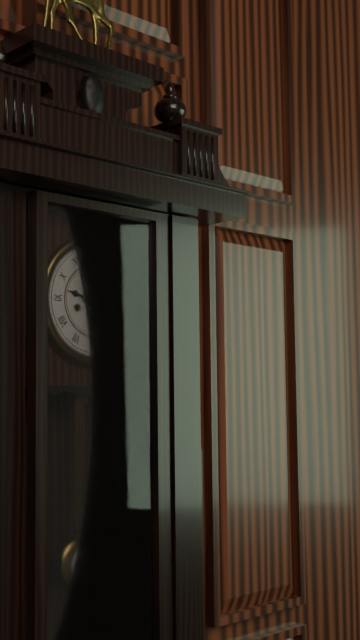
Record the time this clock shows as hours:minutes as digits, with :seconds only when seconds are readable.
9:29
